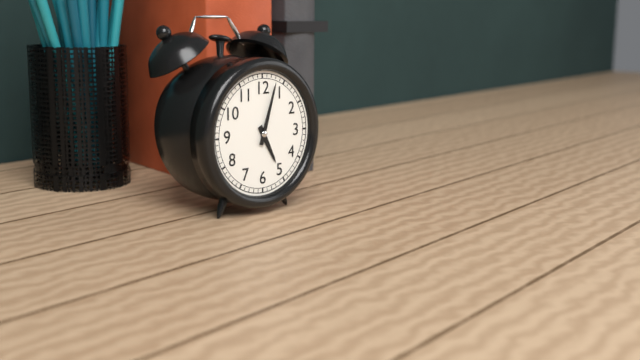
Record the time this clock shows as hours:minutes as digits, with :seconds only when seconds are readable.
5:03
